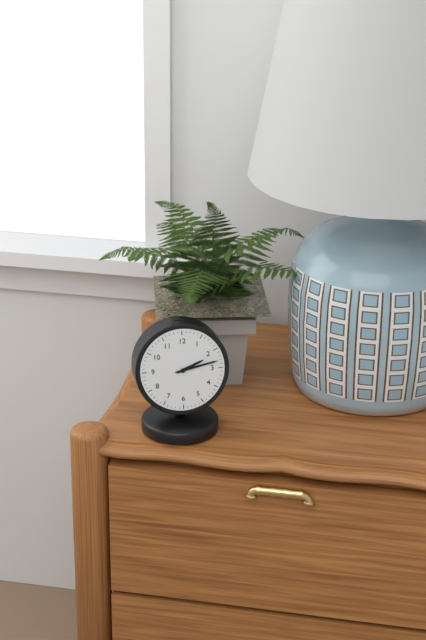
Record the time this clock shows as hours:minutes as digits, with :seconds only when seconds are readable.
2:13
